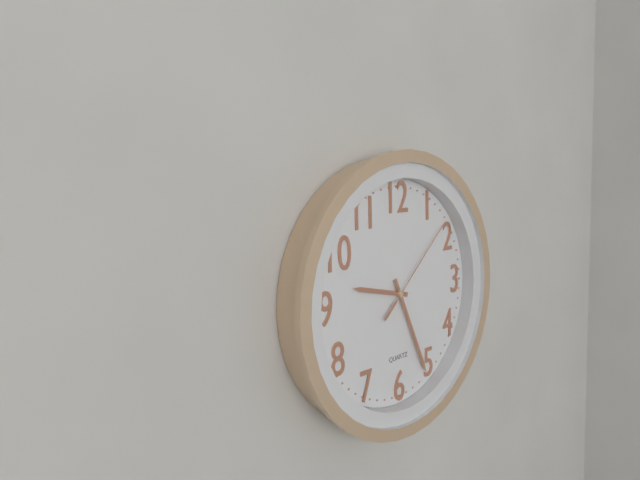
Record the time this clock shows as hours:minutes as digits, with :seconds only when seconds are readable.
9:26:08
